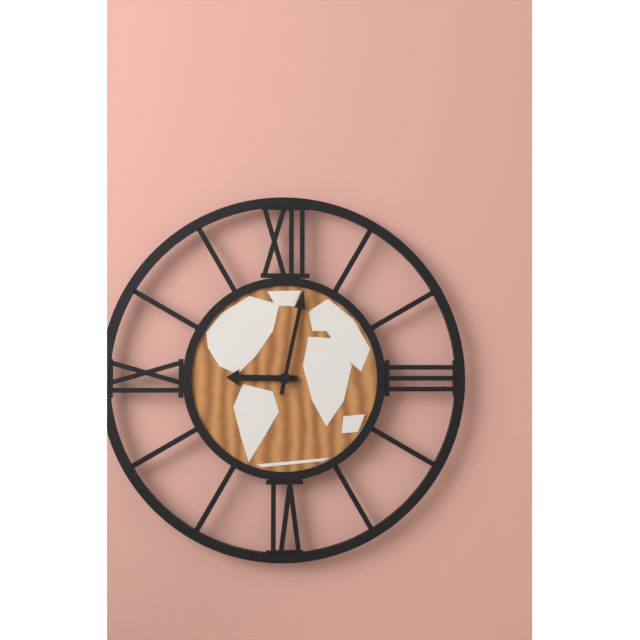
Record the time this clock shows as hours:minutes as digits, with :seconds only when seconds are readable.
9:02
